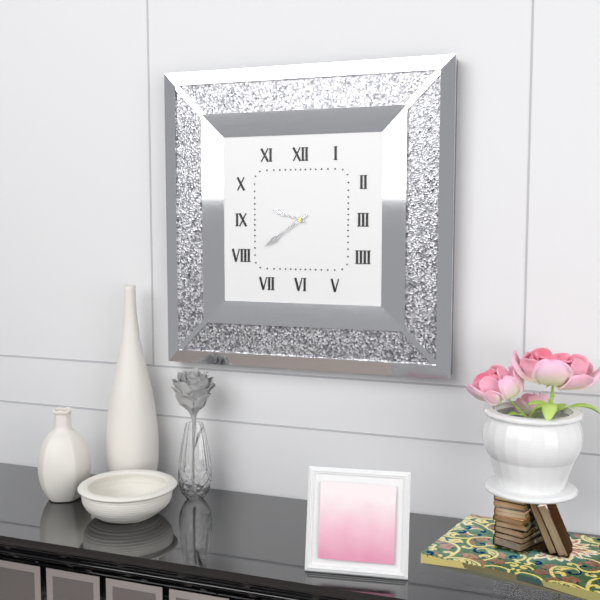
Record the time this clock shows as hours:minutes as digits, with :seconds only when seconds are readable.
9:39
